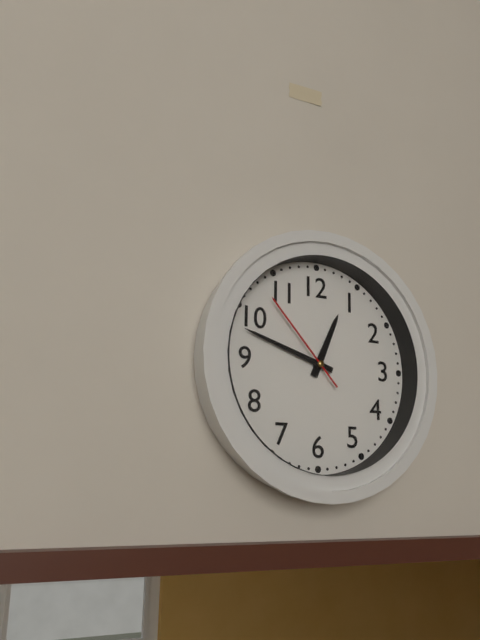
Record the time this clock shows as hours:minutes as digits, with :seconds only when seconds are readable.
12:48:53
